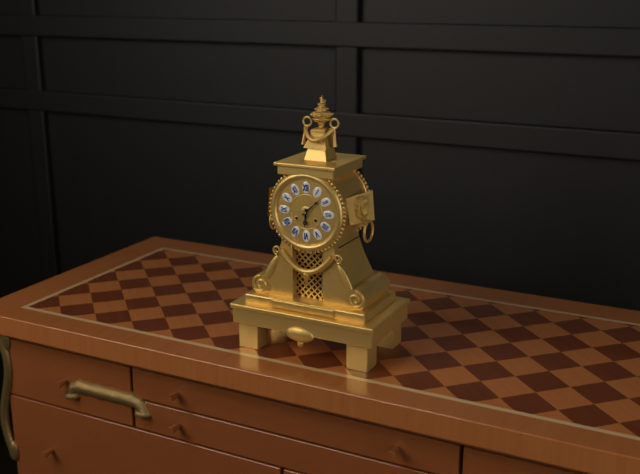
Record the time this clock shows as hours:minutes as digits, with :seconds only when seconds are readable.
6:08
